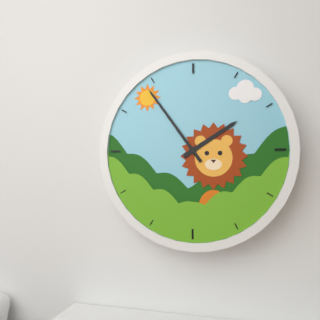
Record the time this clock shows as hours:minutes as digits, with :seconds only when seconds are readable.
1:54
